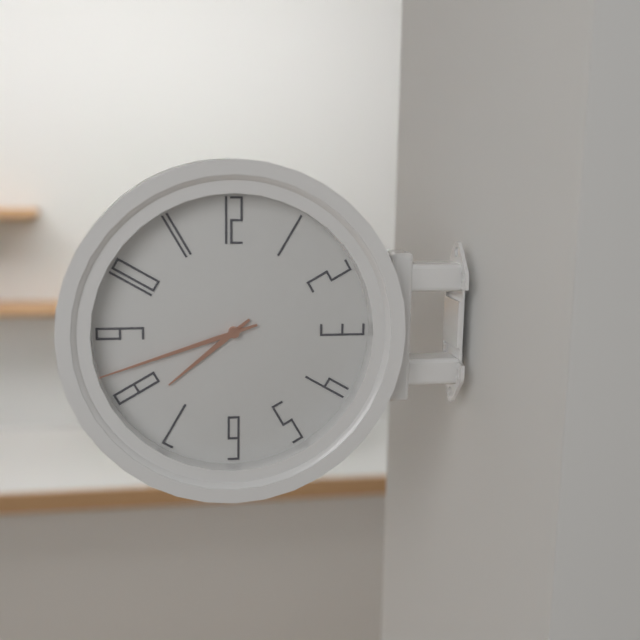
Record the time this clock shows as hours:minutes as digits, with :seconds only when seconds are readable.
7:42
